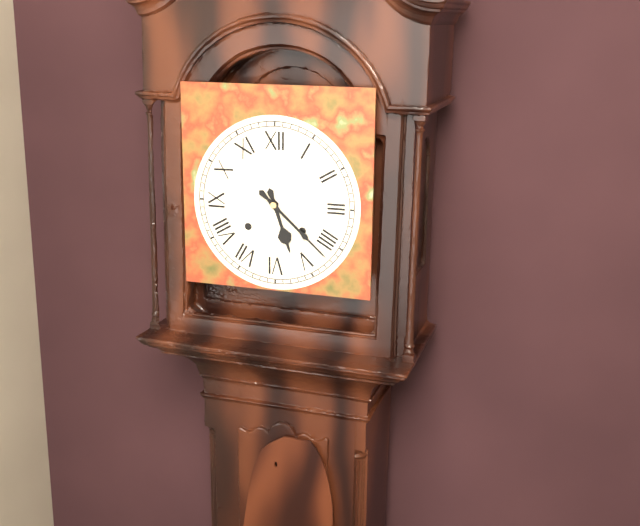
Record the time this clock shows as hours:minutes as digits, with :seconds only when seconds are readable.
5:22
